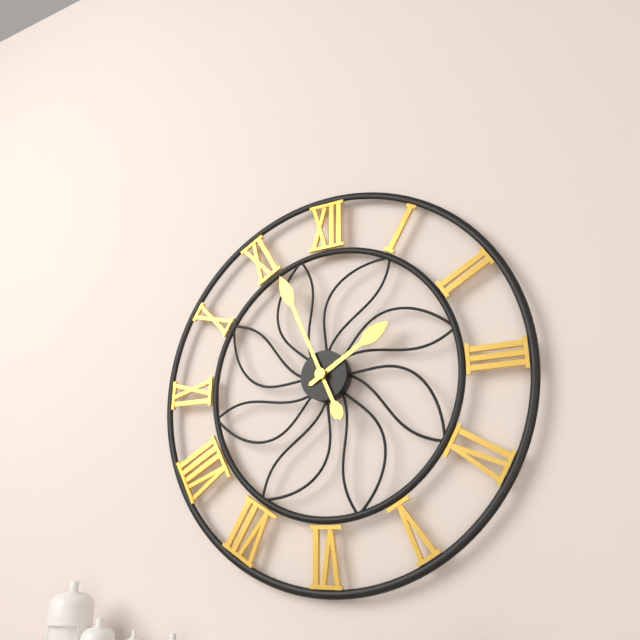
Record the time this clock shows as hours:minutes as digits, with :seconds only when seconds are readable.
1:56
